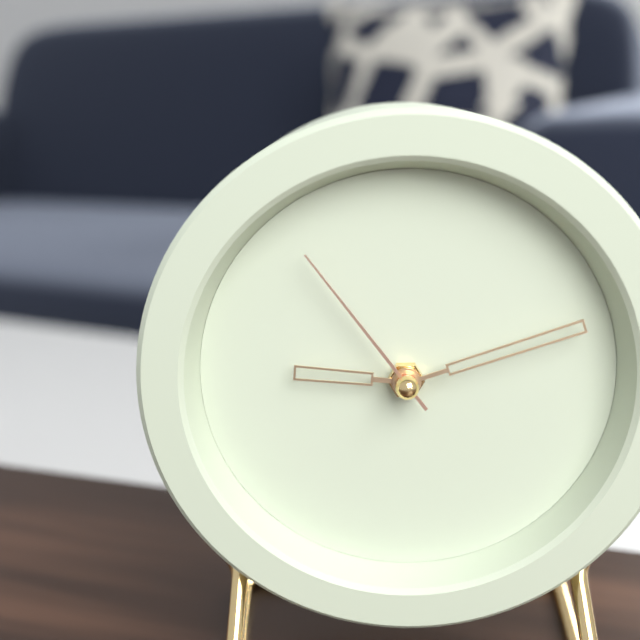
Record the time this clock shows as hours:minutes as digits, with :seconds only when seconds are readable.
9:12:54
